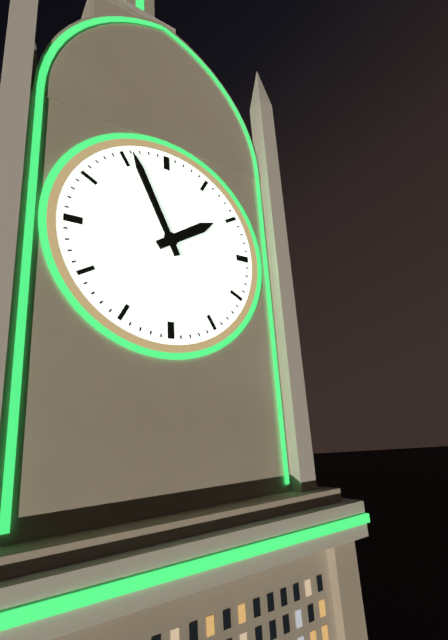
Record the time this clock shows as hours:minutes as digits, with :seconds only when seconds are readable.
1:56
